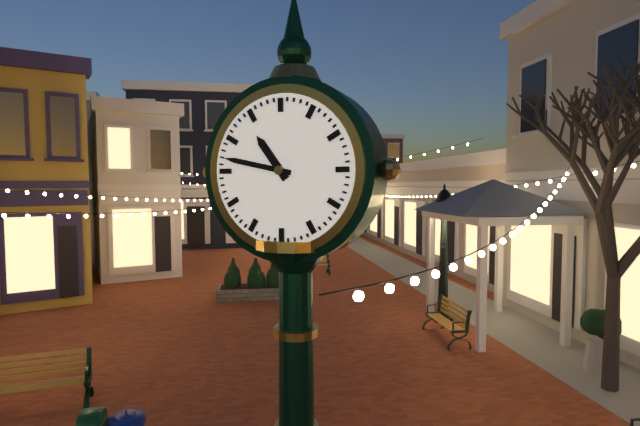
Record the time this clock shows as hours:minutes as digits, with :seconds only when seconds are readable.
10:47
